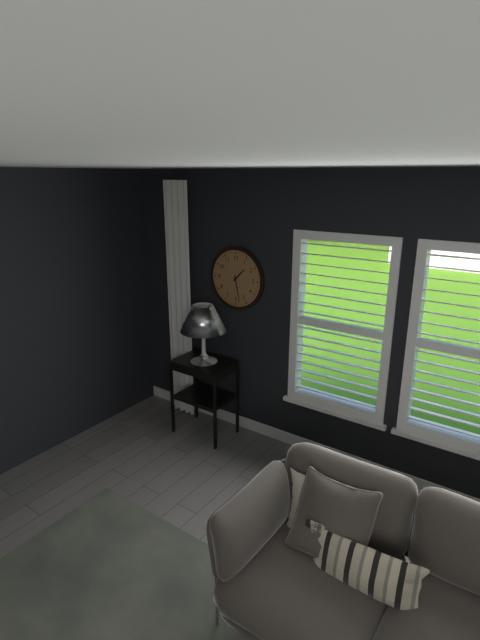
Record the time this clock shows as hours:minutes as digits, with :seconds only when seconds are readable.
1:28
